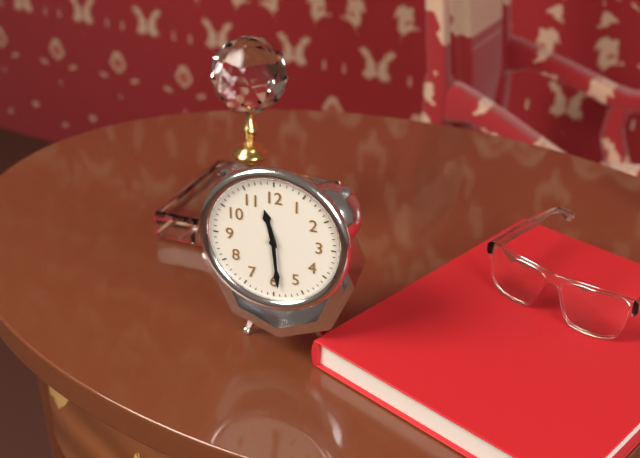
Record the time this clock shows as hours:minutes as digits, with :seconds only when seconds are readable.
11:29
